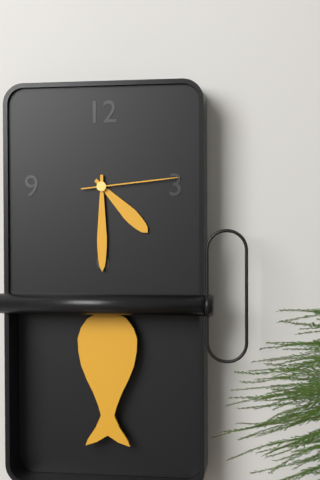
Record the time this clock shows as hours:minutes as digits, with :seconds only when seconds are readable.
4:30:14
